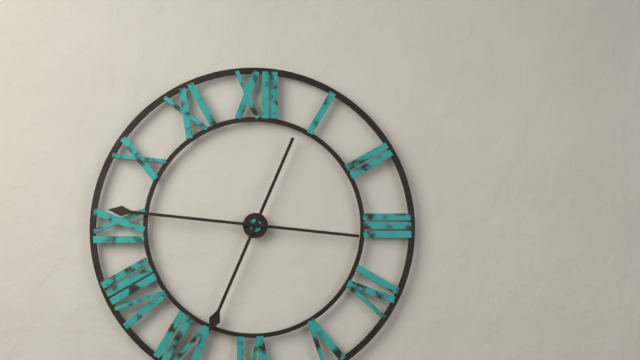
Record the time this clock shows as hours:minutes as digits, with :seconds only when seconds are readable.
6:46
